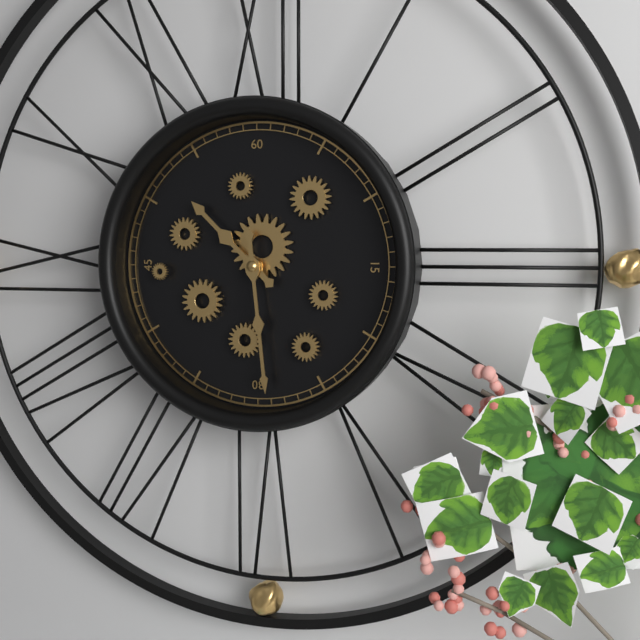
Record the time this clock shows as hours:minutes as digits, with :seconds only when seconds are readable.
10:29
